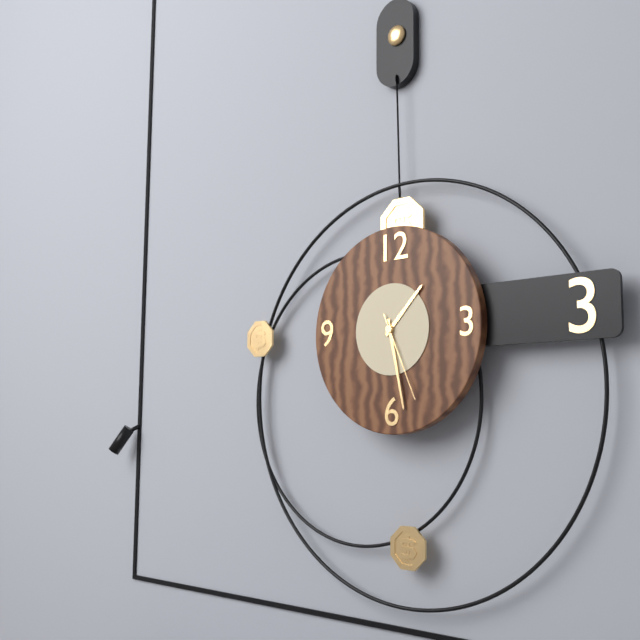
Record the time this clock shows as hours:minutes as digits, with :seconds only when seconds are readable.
1:28:26
